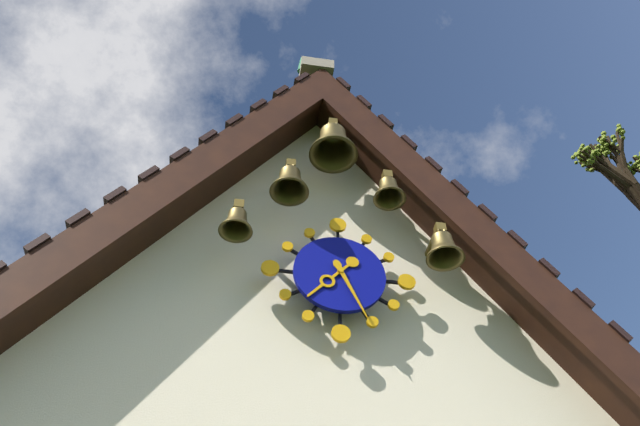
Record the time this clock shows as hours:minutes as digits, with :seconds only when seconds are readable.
7:26
